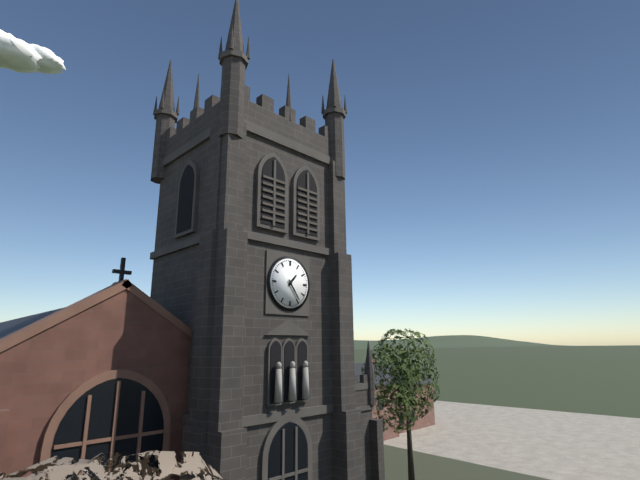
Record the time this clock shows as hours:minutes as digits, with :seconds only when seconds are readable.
1:24
